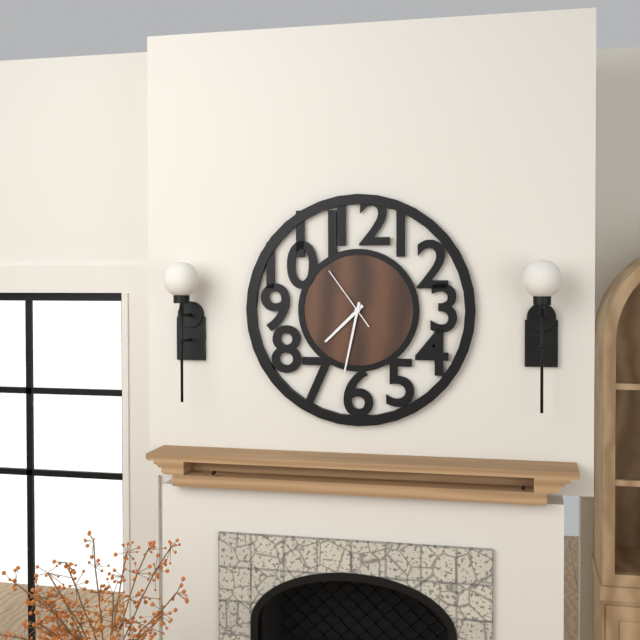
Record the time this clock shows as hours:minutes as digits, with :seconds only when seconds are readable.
7:32:54
